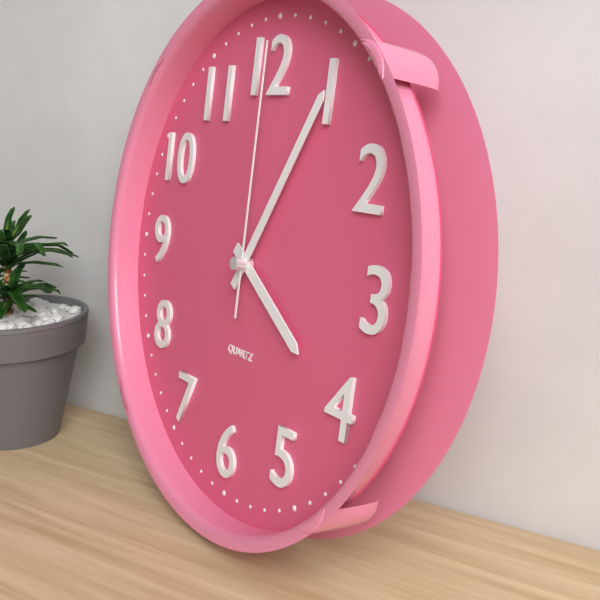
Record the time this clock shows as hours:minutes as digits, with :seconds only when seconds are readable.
4:05:00
